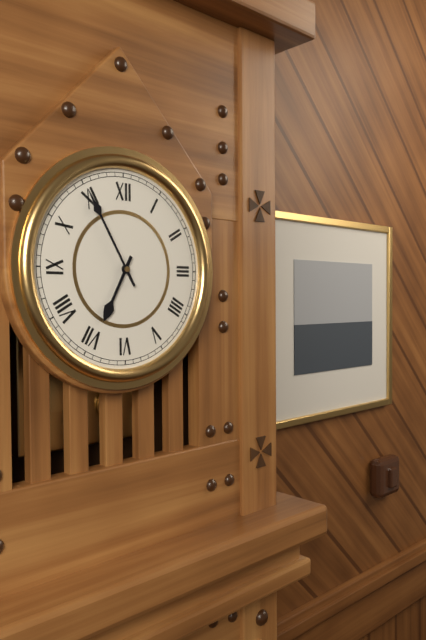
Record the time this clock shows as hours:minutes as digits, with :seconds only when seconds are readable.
6:55
